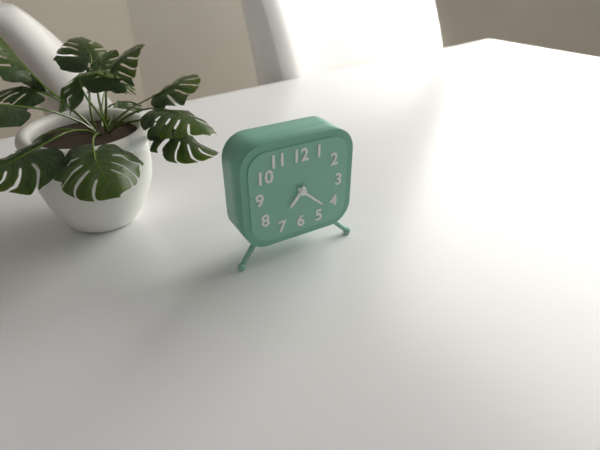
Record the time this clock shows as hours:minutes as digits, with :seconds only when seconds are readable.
7:22
